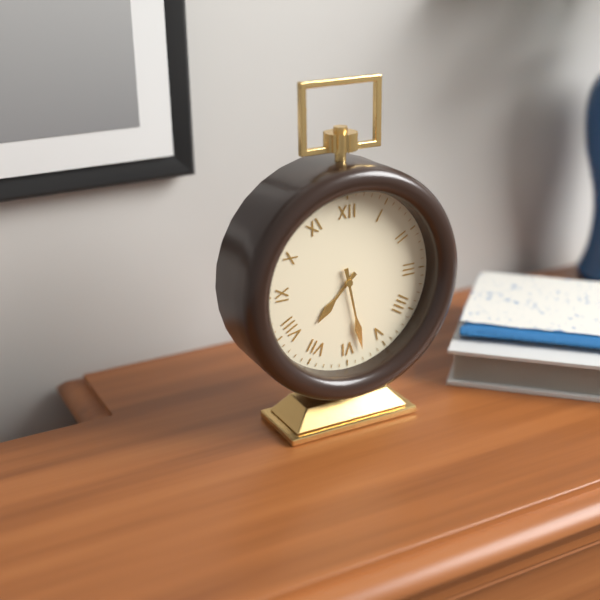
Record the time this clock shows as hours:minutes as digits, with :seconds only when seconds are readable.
7:28
